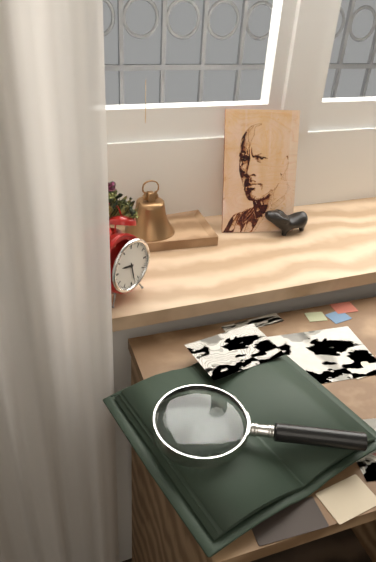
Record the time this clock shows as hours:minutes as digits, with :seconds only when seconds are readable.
9:28
